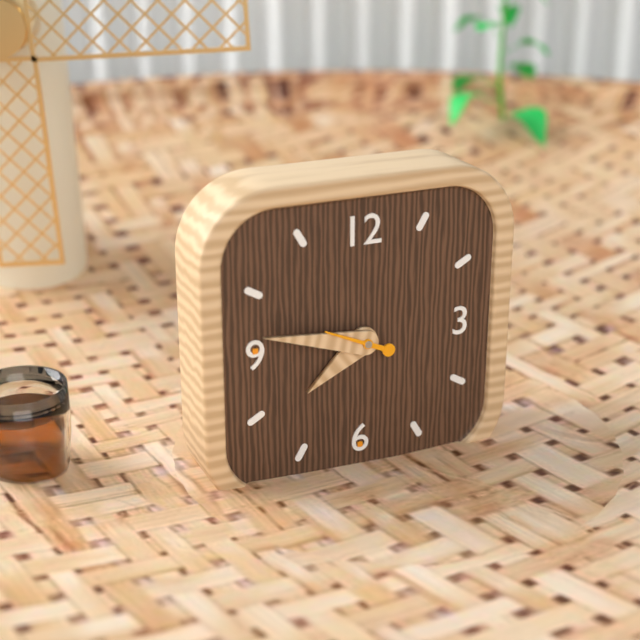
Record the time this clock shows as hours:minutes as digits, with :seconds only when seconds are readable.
7:47
